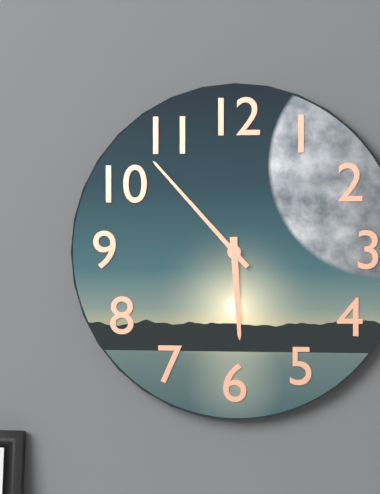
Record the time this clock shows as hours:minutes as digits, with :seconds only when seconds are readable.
5:53
